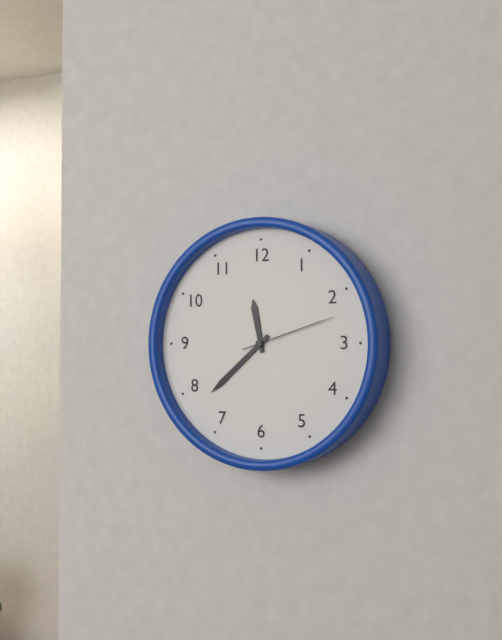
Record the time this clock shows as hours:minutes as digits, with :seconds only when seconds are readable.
11:38:12
